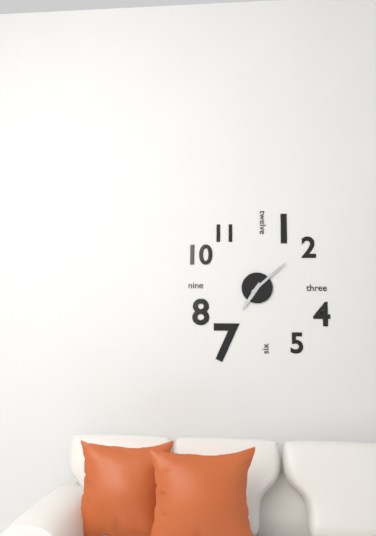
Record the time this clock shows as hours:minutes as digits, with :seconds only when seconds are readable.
7:08
